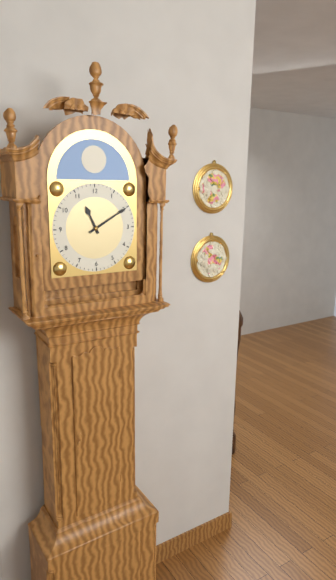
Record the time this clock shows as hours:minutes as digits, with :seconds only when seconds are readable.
11:10
